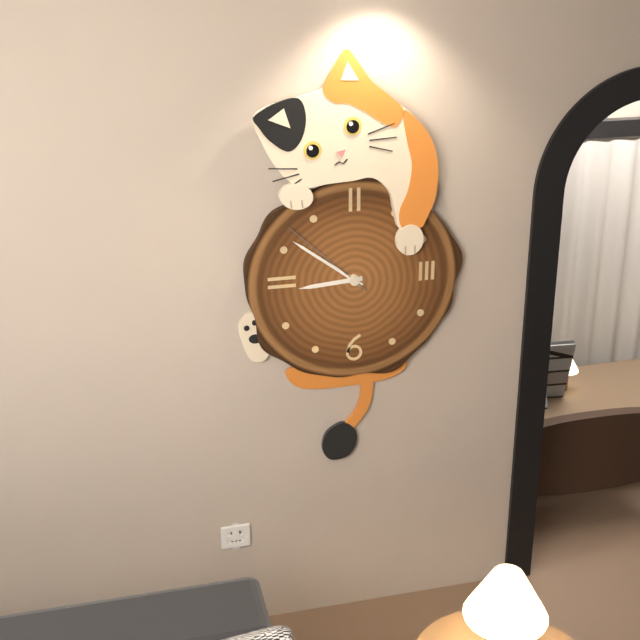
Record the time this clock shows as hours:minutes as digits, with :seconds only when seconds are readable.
8:51:52
